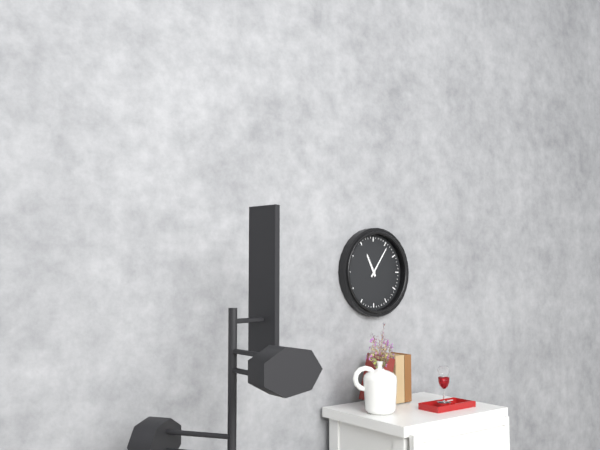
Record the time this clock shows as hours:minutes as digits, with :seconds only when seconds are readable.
11:06
